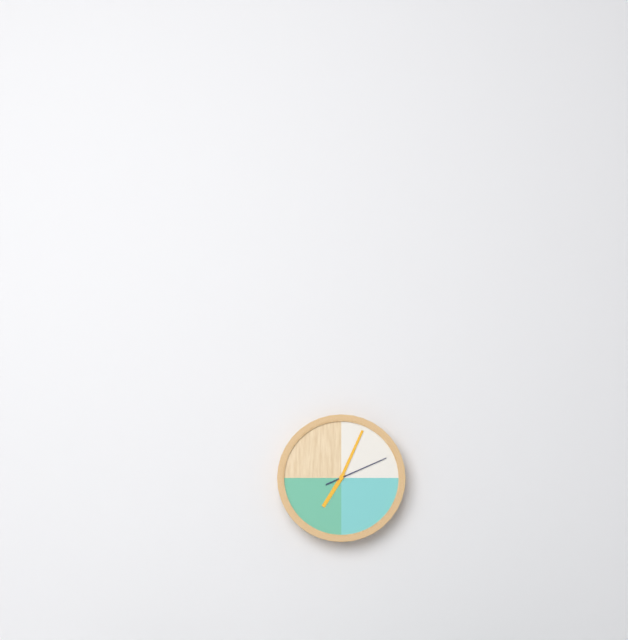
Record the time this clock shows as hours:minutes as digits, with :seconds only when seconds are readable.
7:04:11
